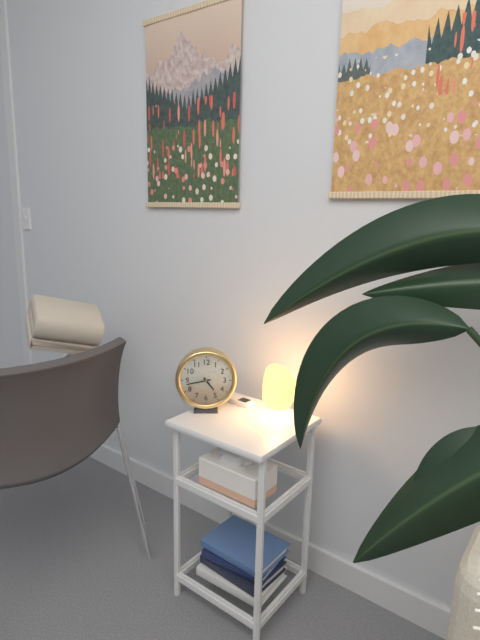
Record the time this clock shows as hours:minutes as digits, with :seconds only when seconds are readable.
4:43
